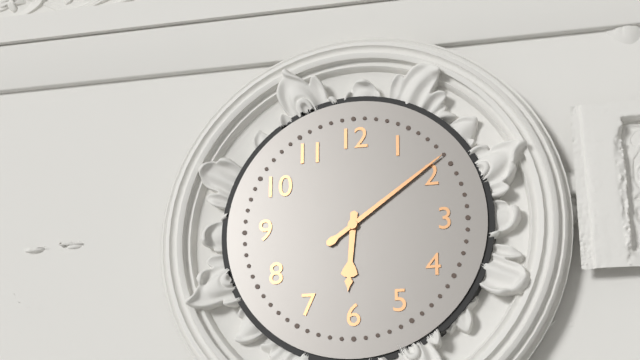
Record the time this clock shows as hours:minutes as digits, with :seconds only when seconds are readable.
6:09
